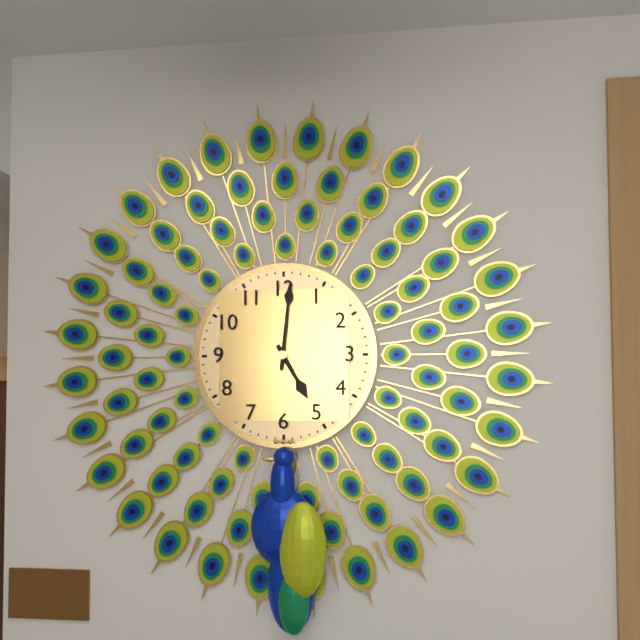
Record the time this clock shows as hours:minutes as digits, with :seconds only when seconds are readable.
5:01
